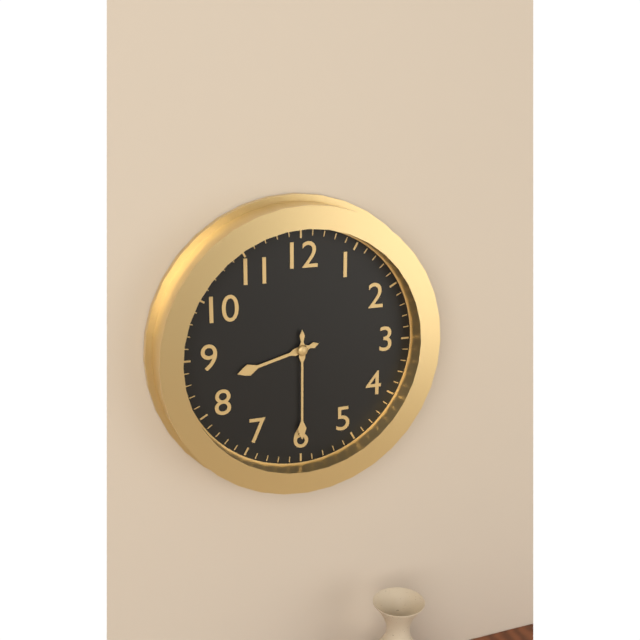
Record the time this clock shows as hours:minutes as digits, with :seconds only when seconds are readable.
8:30
